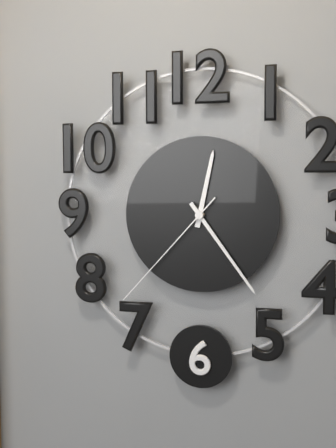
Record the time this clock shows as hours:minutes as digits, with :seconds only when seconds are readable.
12:24:37
